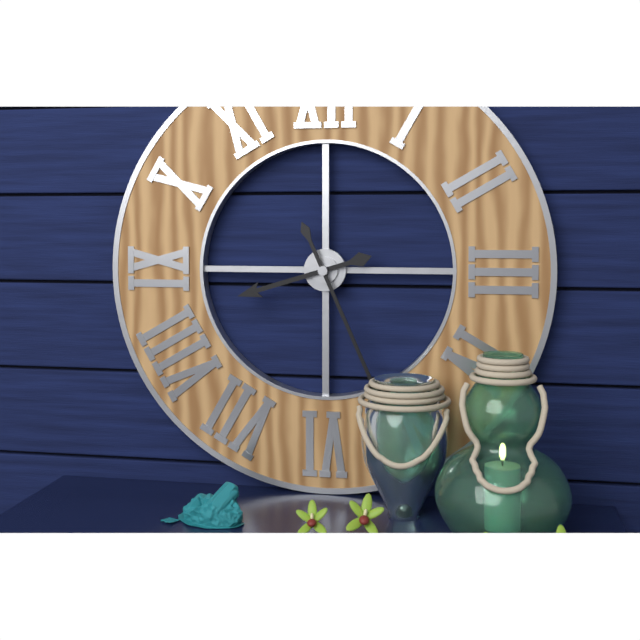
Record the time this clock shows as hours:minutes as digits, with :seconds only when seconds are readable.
8:26
